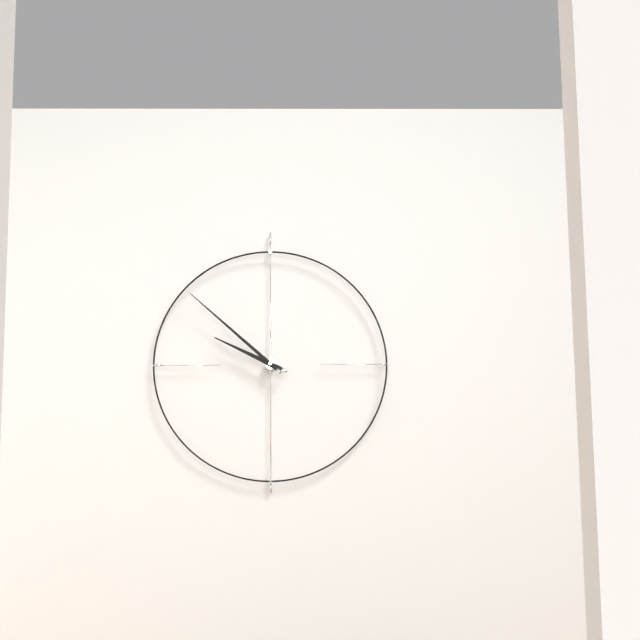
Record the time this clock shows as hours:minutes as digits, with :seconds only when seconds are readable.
9:52
